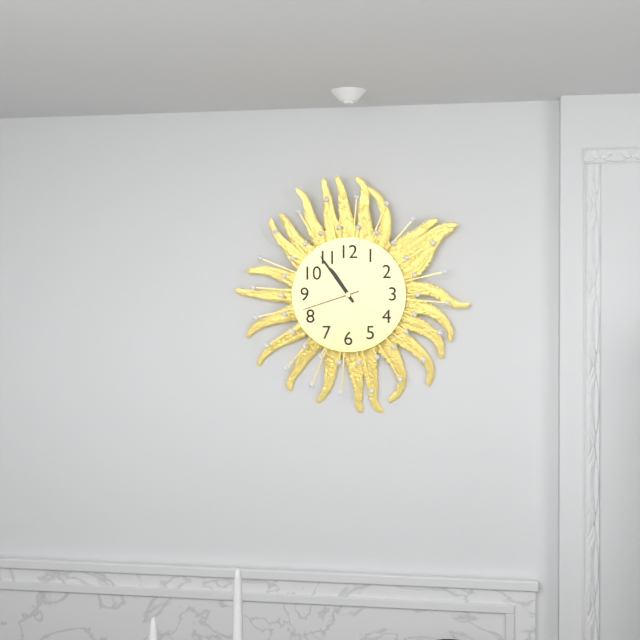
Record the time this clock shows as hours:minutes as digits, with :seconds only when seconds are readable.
10:54:42
